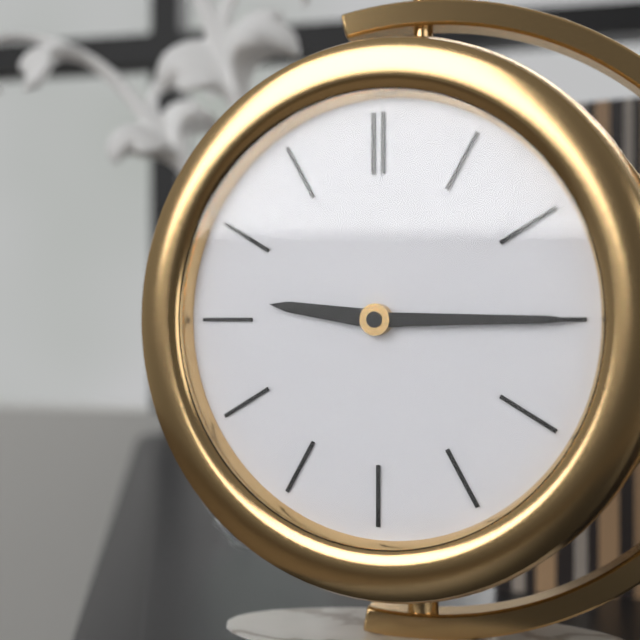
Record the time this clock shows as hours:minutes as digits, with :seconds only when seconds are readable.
9:15
